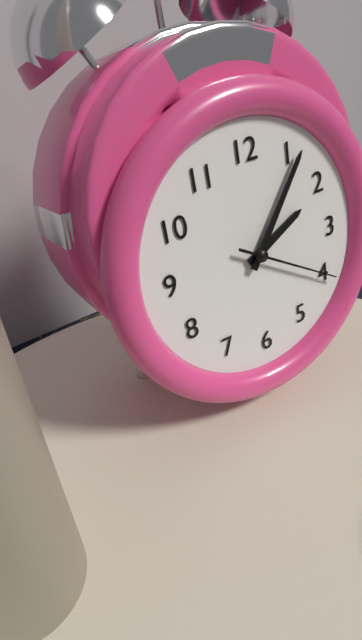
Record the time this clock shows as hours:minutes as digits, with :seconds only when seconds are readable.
2:06:20
